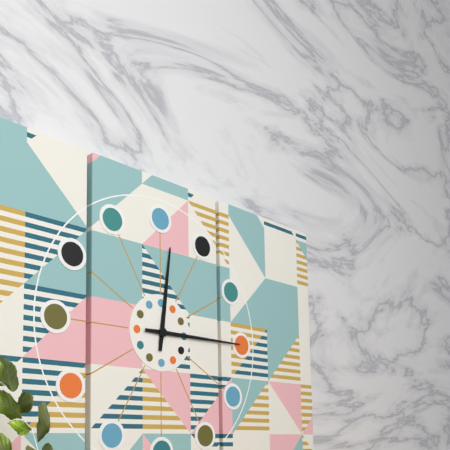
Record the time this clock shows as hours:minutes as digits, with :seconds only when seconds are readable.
12:15
